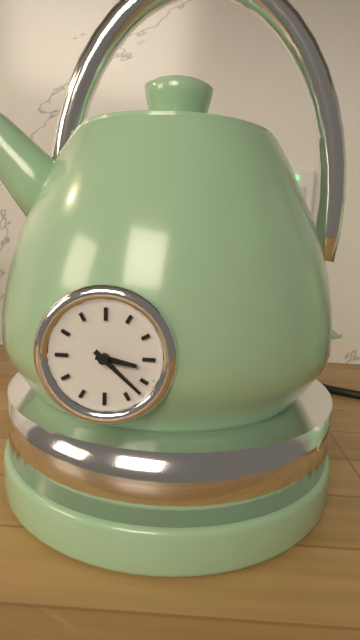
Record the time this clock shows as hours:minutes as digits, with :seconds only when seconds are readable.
3:22
